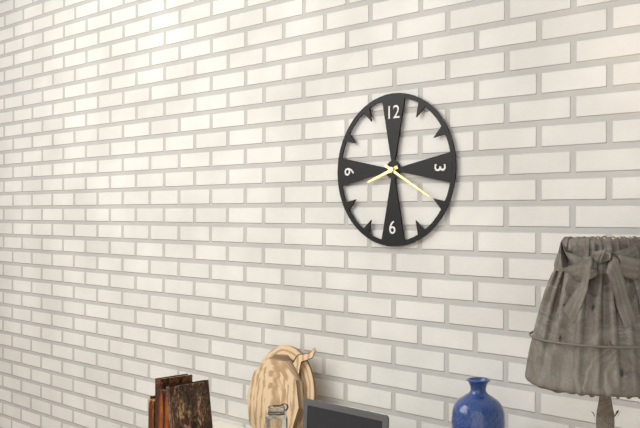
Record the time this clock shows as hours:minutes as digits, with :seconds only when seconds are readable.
8:20
